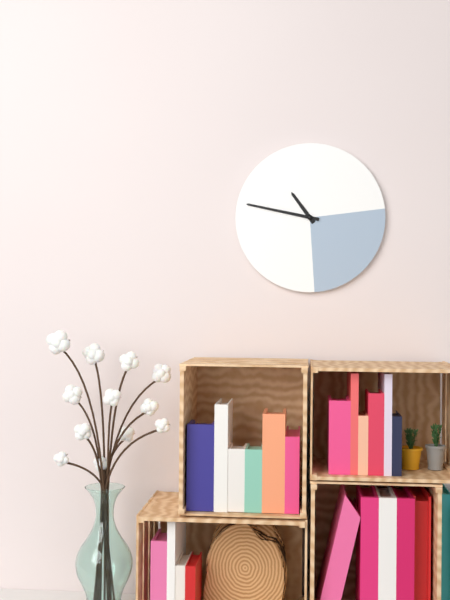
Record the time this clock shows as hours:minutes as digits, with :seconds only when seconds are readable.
10:47
